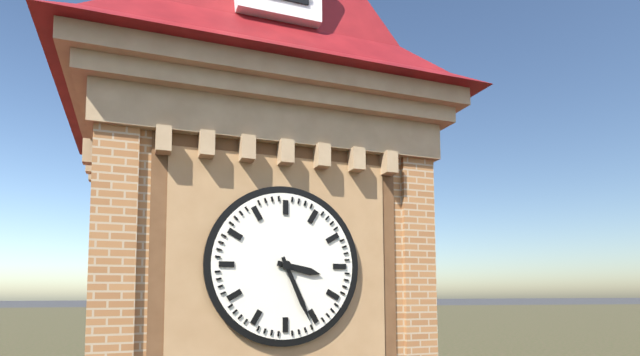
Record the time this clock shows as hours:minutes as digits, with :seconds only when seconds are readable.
3:26
